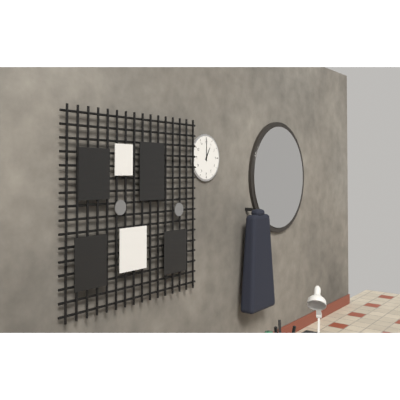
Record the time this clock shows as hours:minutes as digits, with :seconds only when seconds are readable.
1:00
